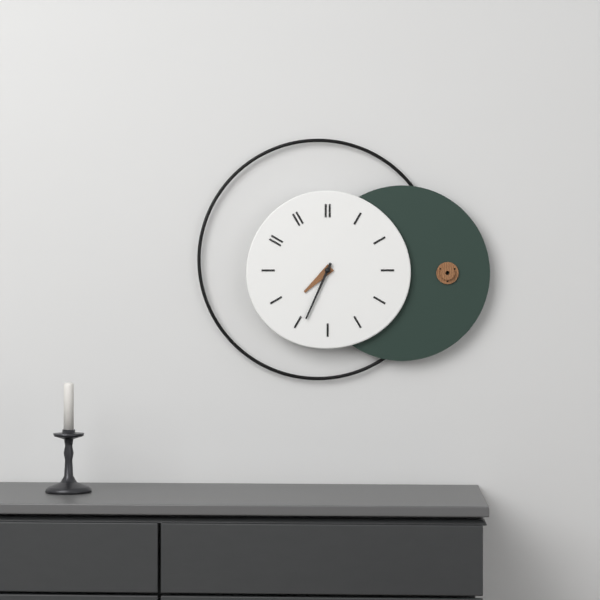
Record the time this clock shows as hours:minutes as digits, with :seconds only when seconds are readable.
7:34
